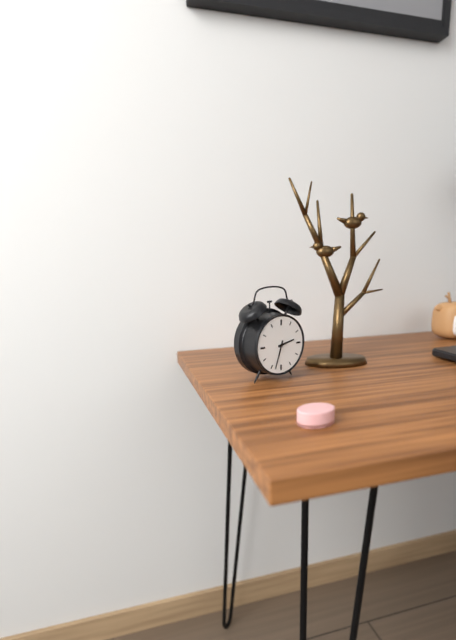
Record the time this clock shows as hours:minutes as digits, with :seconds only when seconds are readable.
2:33
